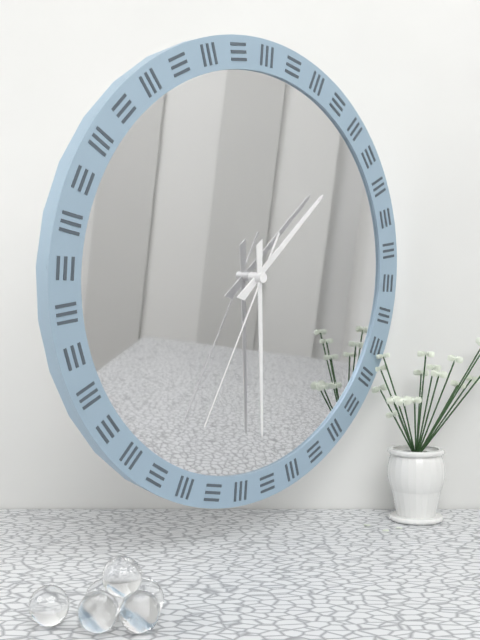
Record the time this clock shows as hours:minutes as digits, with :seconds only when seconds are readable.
1:29:34
